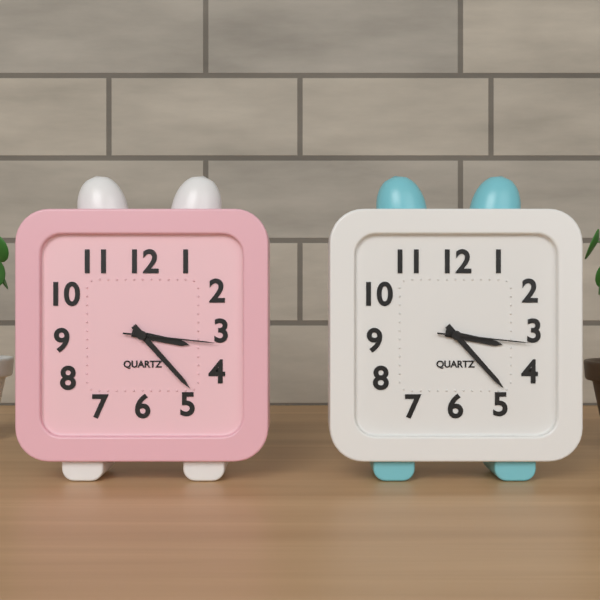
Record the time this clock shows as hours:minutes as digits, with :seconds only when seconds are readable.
3:23:16
